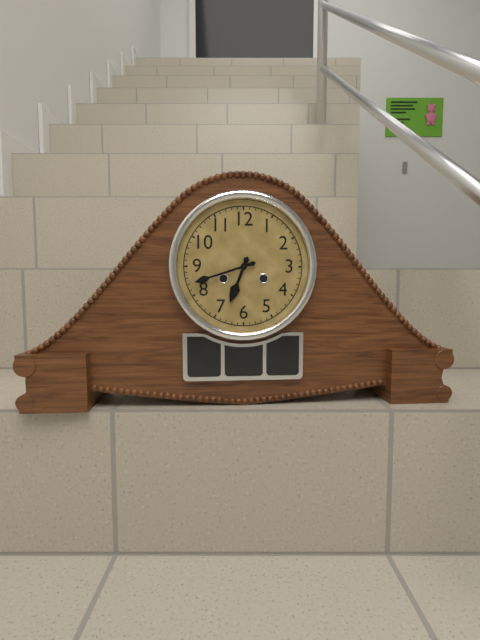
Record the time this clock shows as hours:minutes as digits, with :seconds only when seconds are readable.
6:42
